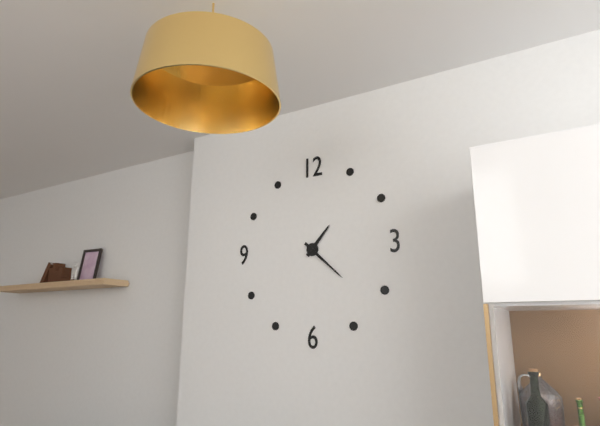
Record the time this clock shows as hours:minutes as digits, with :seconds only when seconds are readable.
1:22
